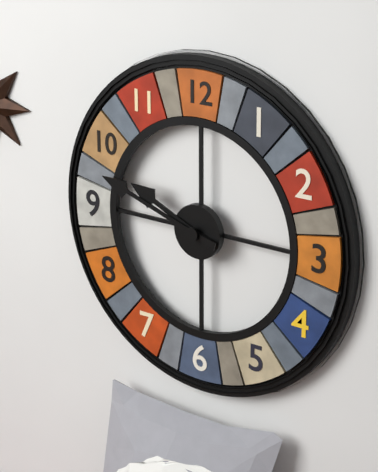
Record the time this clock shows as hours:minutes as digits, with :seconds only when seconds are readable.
9:48
